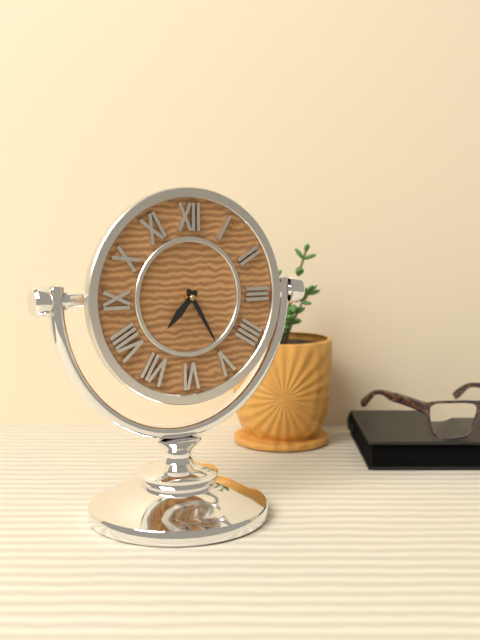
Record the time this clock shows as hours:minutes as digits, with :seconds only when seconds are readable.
7:25
